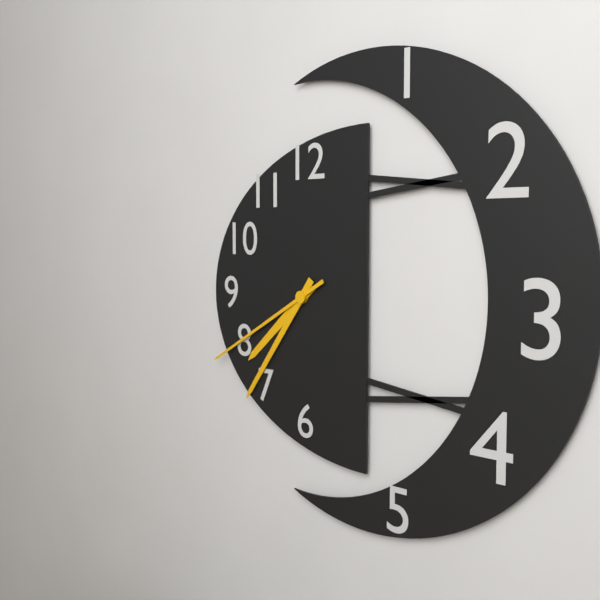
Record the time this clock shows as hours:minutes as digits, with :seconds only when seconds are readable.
7:36:40
